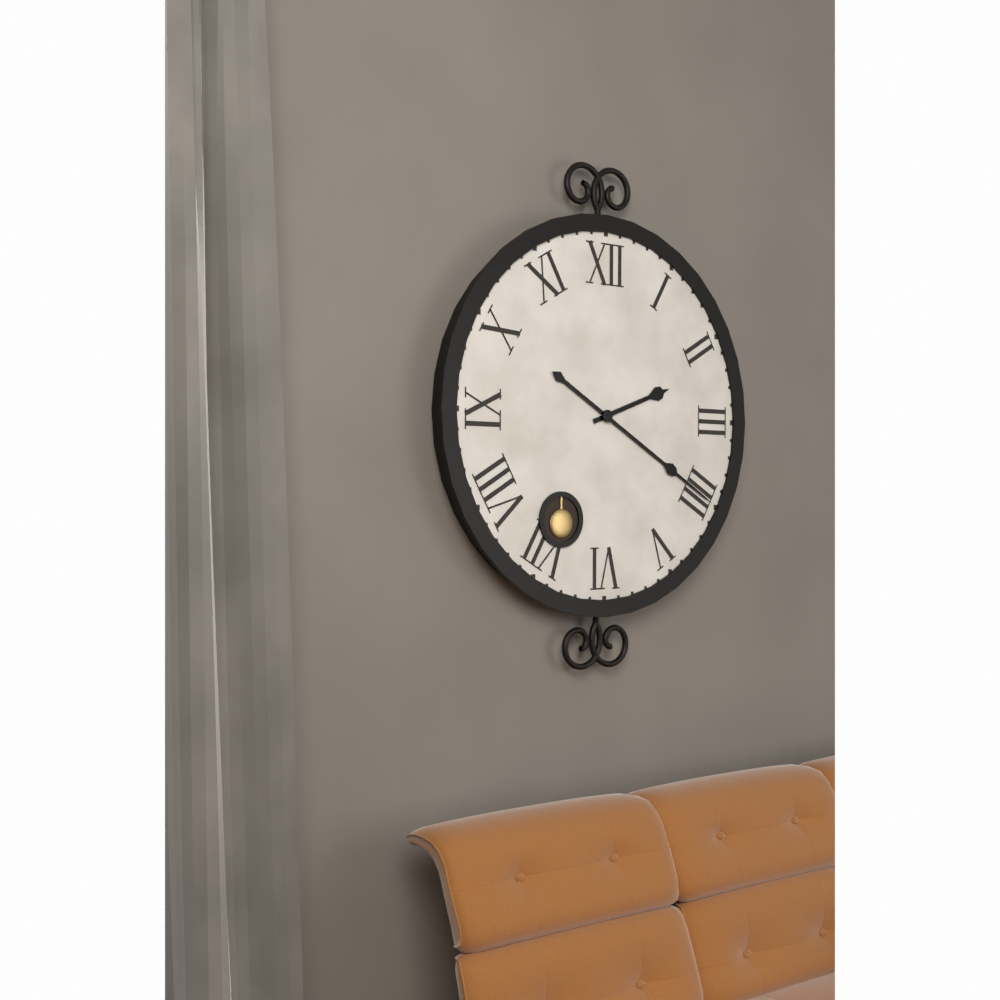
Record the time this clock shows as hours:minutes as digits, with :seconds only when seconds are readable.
2:20
